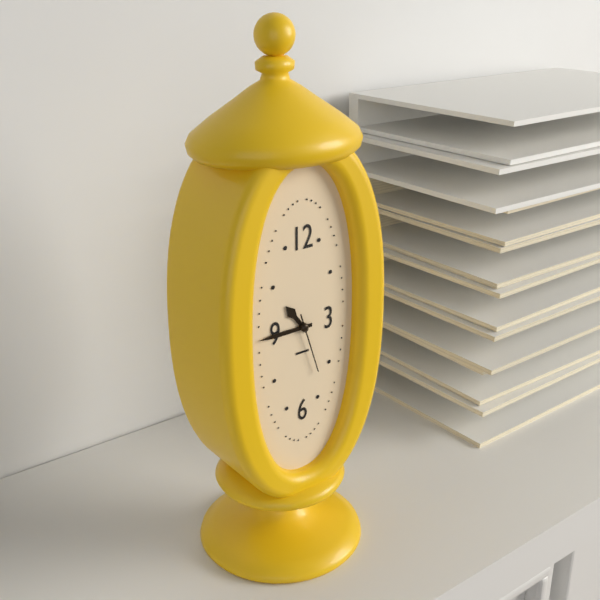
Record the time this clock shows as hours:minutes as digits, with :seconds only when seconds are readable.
10:45:27
